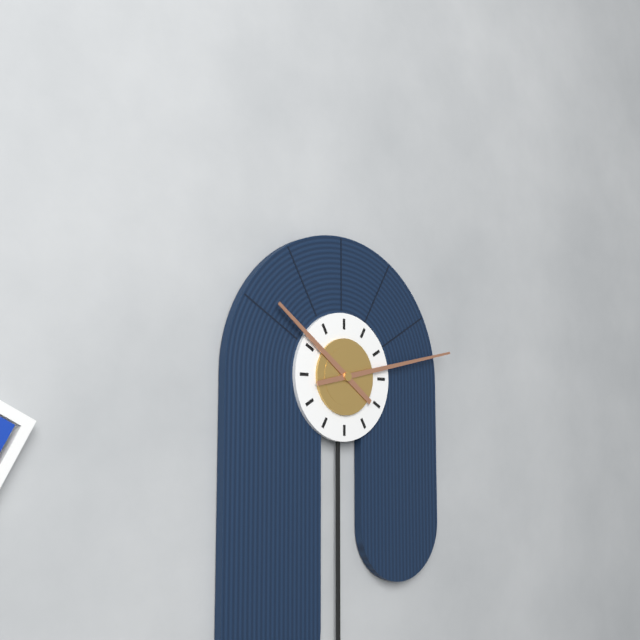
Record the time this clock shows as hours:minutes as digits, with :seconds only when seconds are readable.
10:13
